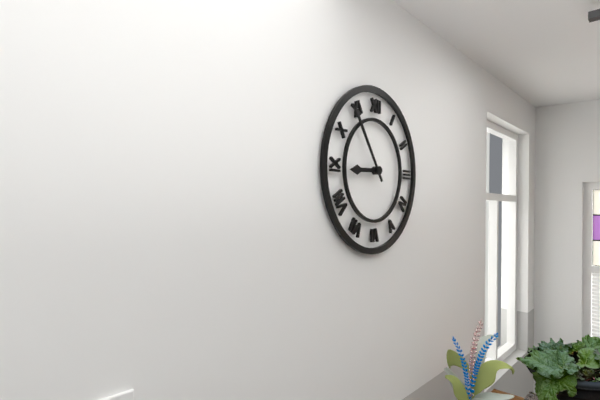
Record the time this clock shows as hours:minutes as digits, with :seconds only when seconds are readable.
8:54
